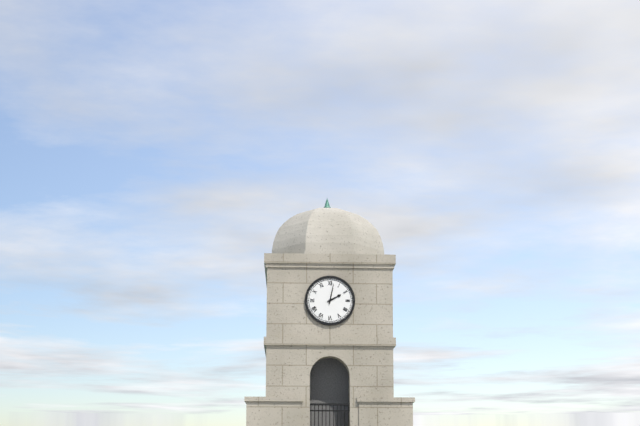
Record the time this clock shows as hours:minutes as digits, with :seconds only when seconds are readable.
2:02
